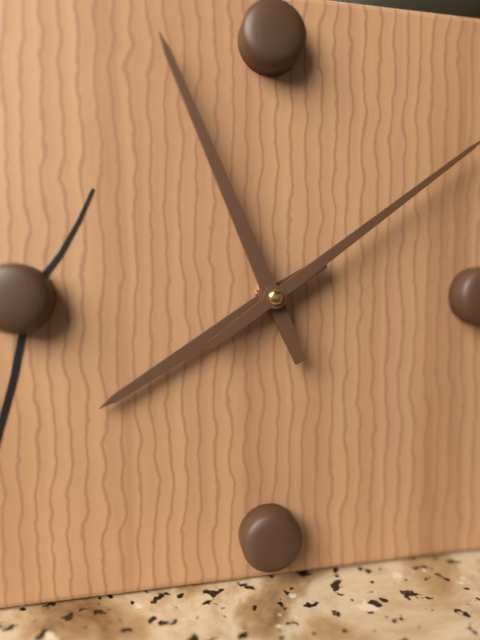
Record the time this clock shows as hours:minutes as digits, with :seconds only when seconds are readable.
7:56
